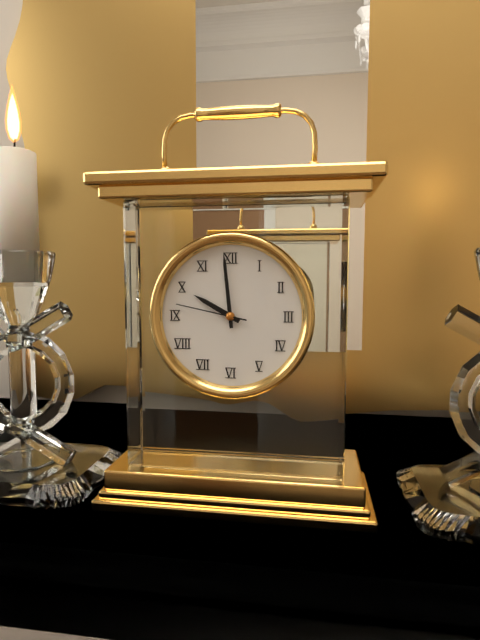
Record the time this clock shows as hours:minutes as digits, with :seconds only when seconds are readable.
9:59:47
